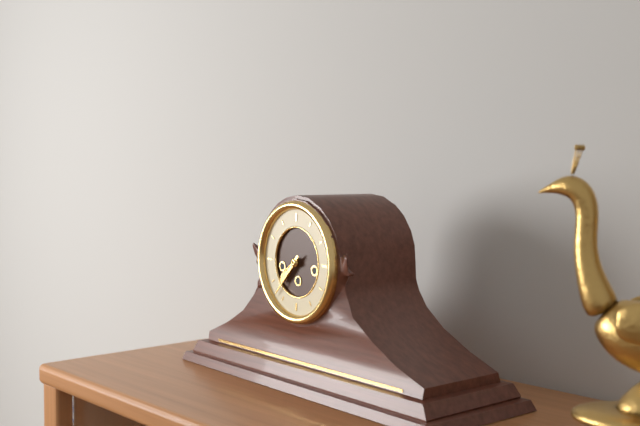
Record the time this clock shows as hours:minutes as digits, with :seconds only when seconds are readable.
7:37
